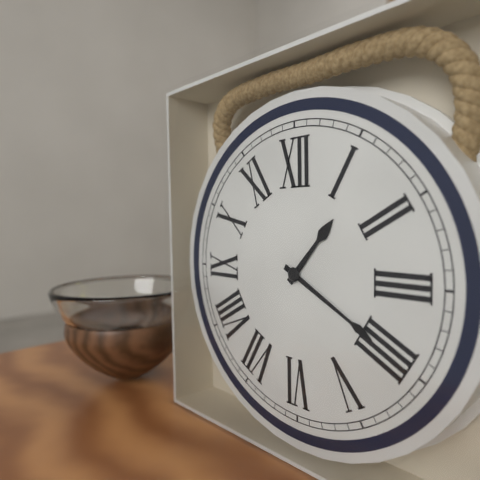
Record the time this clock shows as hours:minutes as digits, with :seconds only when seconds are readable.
1:20
